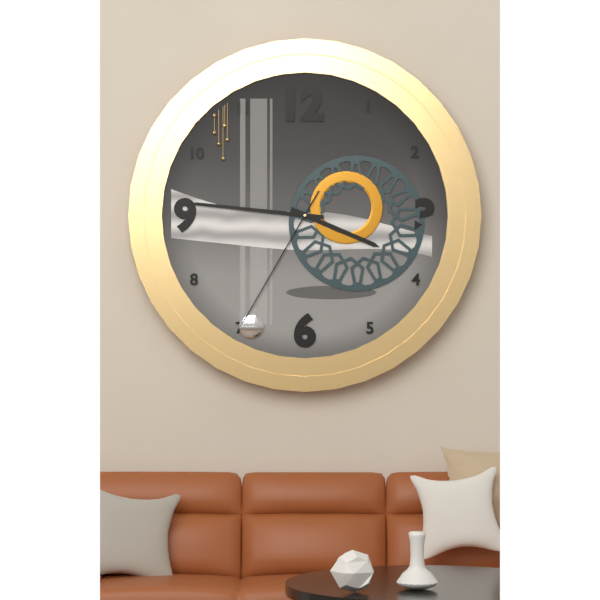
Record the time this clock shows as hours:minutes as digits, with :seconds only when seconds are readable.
3:46:35
